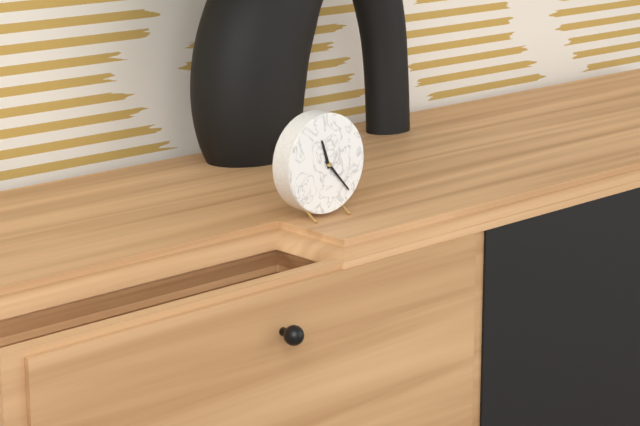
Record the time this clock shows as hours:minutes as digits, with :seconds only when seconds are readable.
11:23
